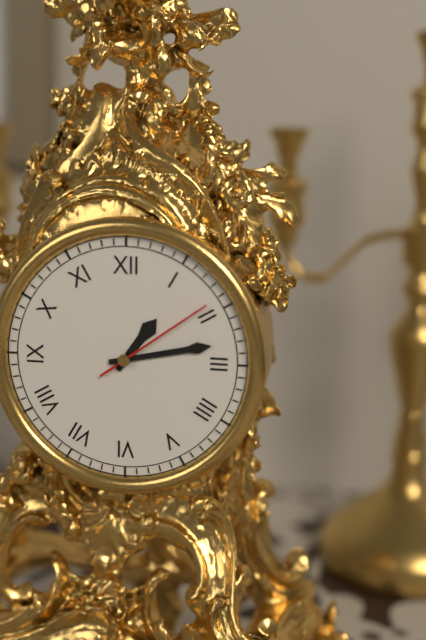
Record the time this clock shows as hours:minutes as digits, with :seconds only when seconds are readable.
1:13:09
